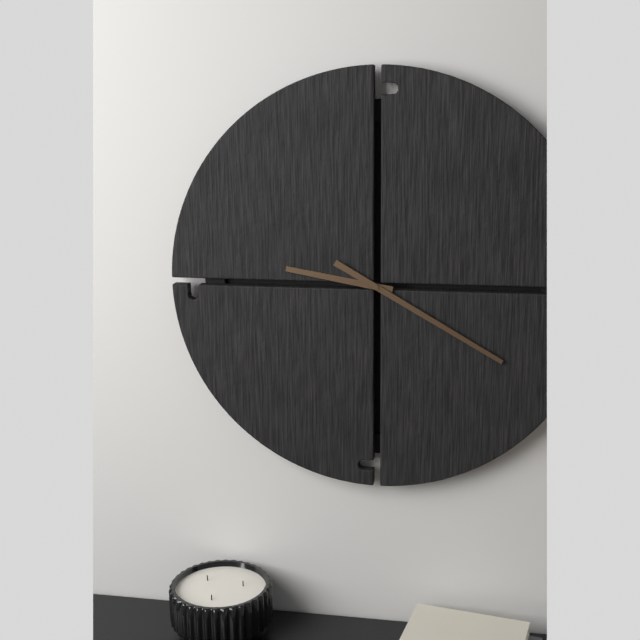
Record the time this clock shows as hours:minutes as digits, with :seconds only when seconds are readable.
9:20
